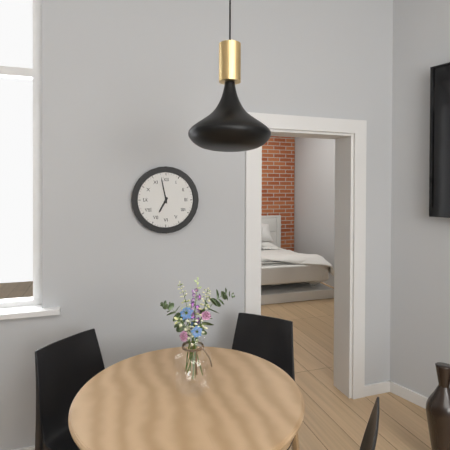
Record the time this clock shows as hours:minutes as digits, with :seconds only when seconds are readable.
6:58
